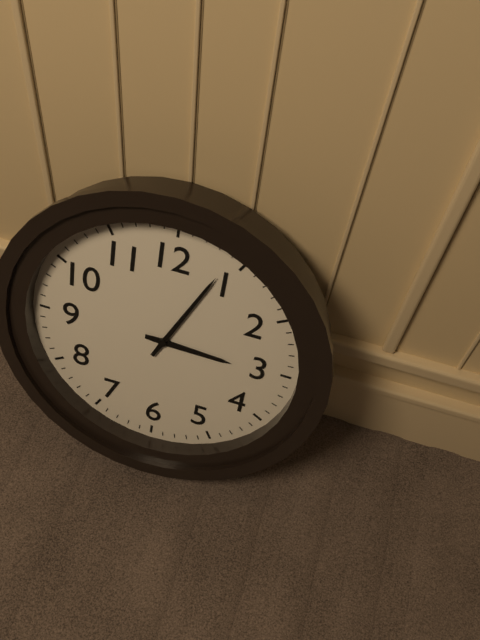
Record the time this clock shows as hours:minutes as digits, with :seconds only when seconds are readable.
3:04
